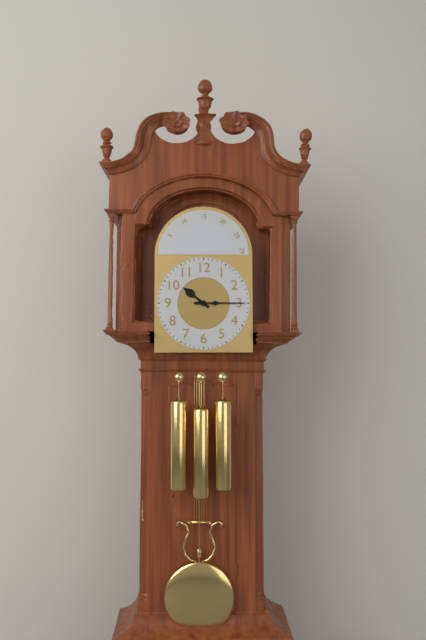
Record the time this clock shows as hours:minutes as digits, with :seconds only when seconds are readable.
10:15
